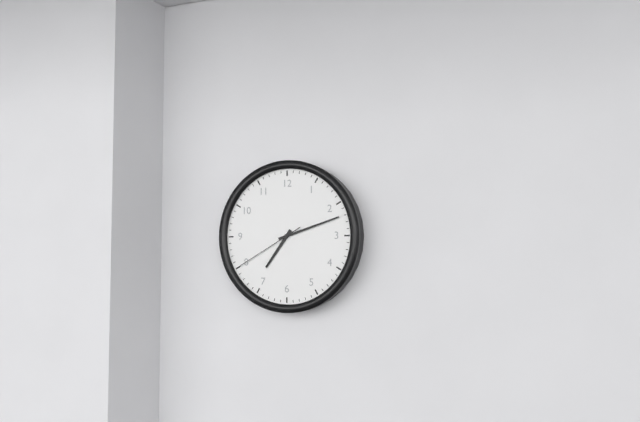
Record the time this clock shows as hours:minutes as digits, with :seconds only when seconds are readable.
7:12:40
